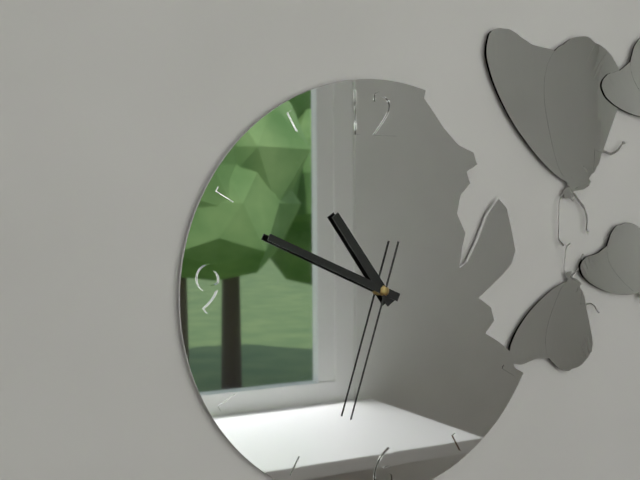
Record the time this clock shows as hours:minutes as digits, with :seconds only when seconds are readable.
10:49:33
